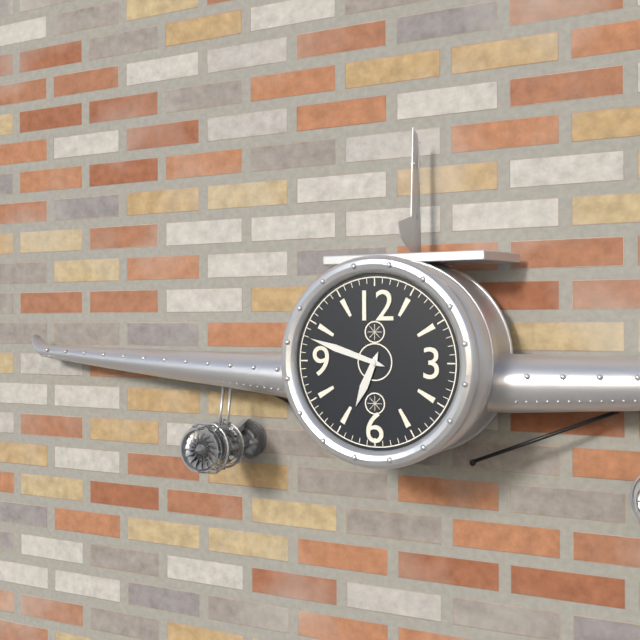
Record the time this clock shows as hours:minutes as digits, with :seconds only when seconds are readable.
6:48
